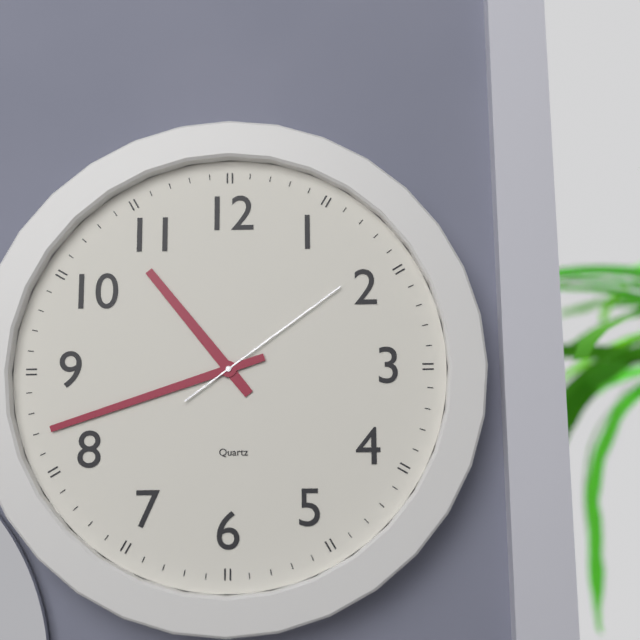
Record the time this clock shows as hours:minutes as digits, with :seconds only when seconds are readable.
10:42:09
